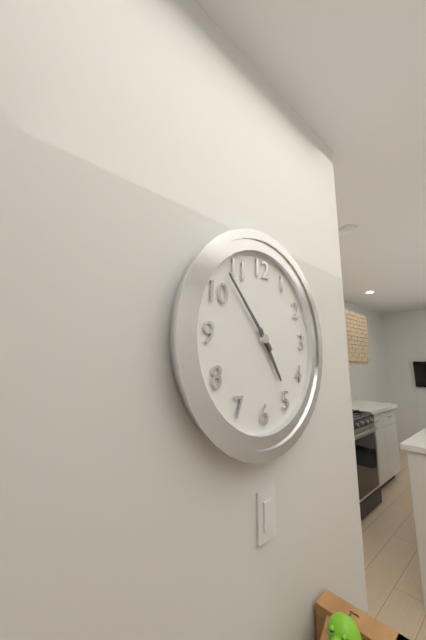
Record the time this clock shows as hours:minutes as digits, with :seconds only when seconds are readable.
4:53
